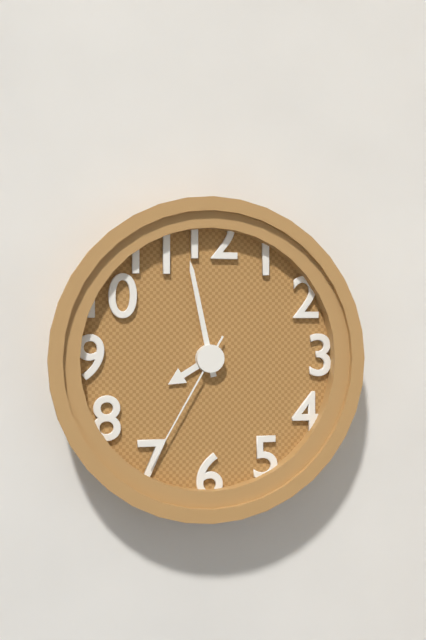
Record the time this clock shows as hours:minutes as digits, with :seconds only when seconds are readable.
7:58:35
